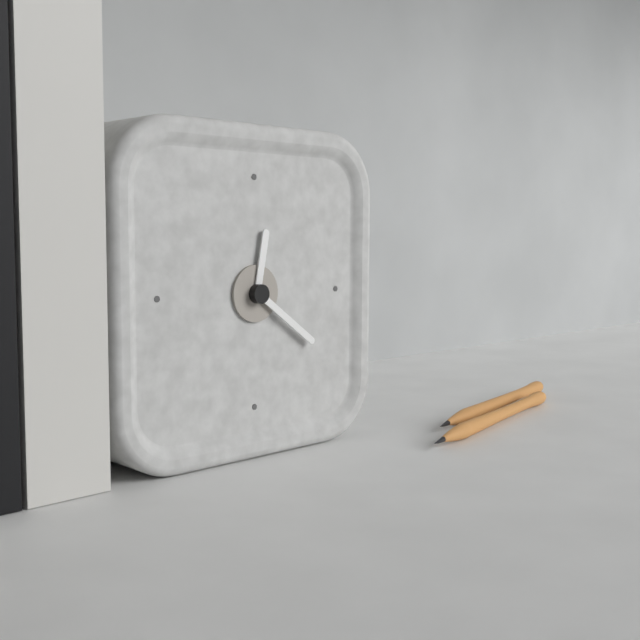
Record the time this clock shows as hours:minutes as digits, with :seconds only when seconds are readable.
12:21
